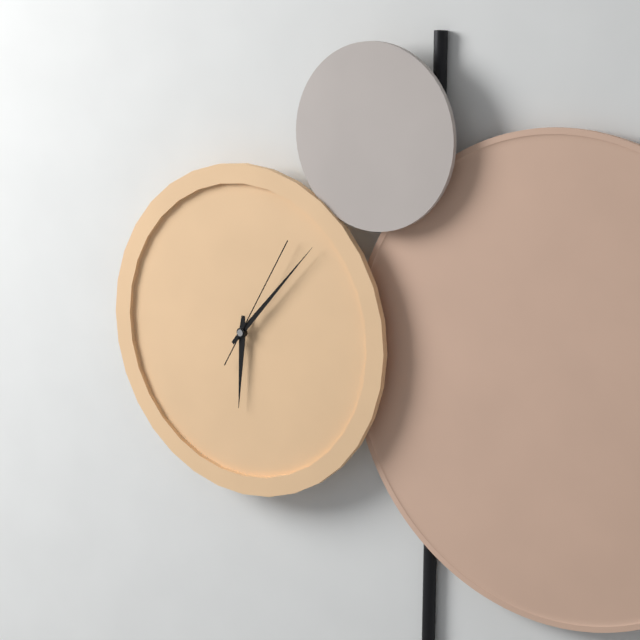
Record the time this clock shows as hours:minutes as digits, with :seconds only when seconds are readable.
6:07:05
